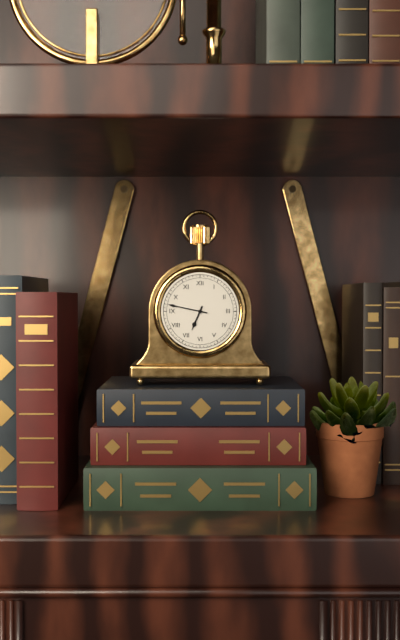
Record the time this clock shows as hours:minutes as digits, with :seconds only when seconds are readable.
6:47
